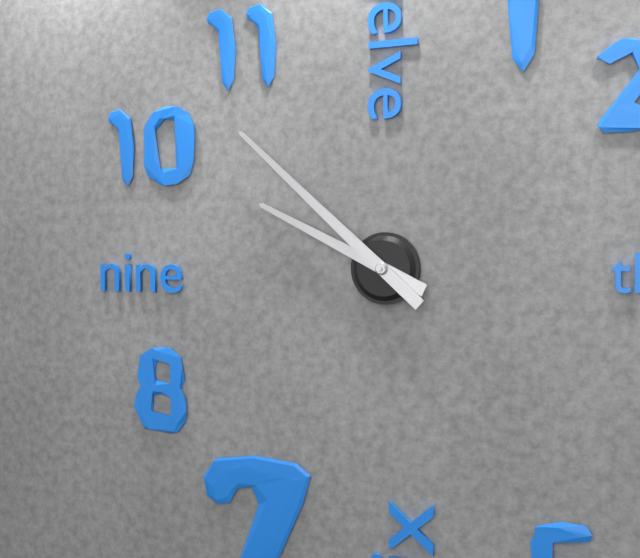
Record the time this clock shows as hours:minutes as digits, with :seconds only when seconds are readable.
9:52
